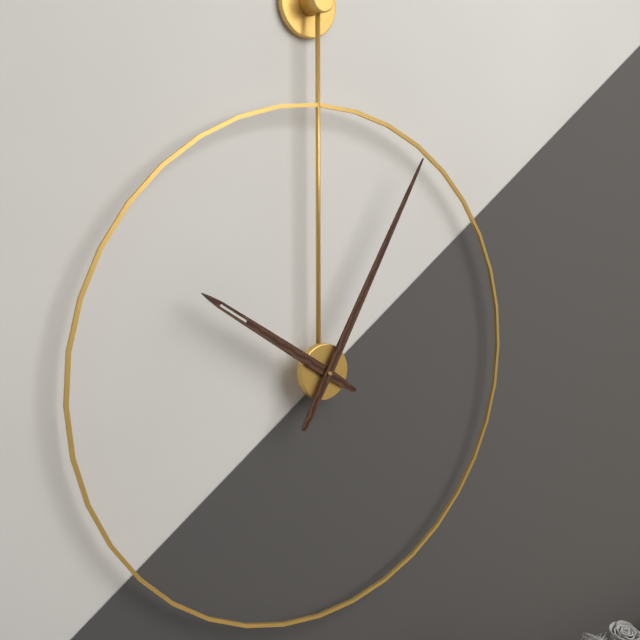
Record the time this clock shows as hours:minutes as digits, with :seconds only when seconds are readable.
10:05
